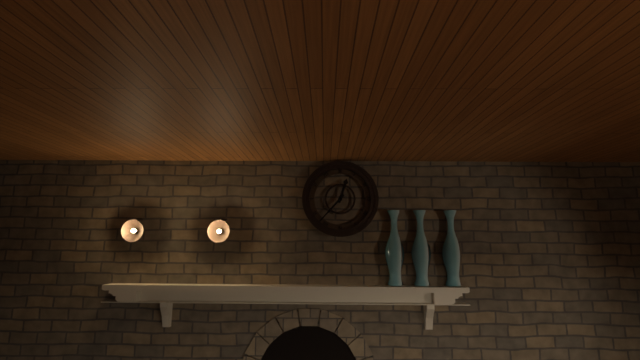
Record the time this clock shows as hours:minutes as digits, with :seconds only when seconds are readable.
12:37
